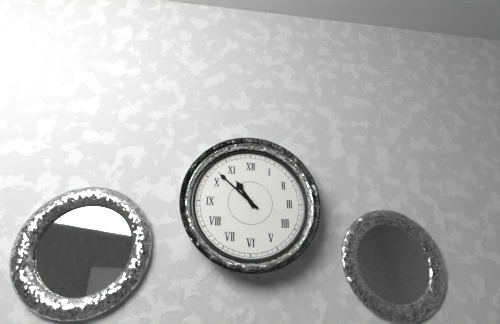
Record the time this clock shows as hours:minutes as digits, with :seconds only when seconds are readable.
10:52
